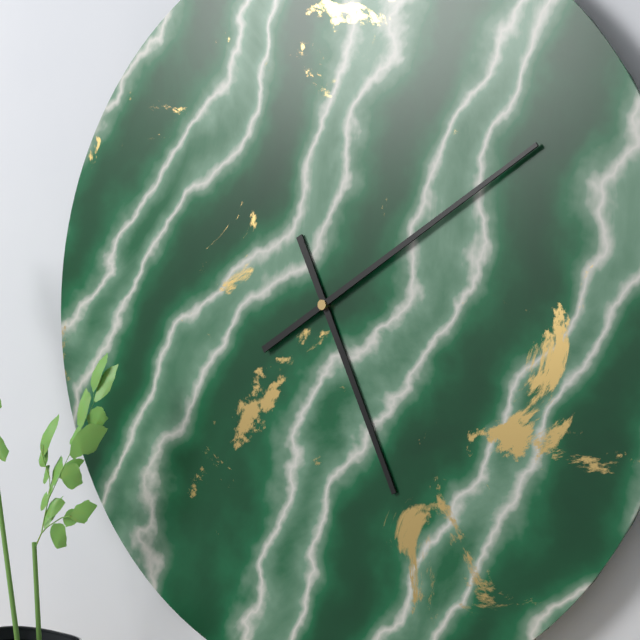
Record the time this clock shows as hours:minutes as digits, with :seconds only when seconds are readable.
5:10
